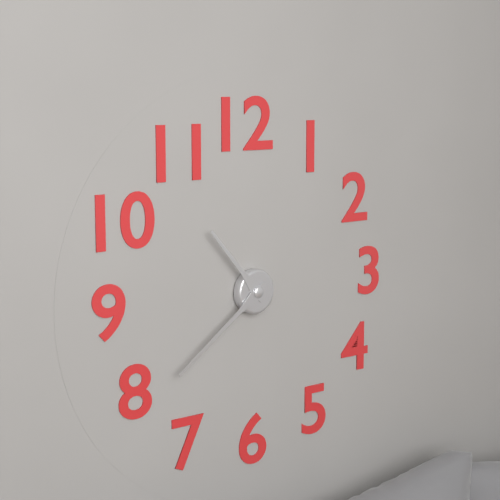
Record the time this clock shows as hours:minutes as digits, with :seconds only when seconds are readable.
10:39
